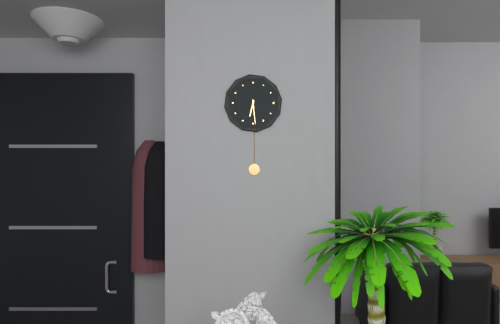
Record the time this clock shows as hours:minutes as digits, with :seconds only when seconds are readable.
6:29
